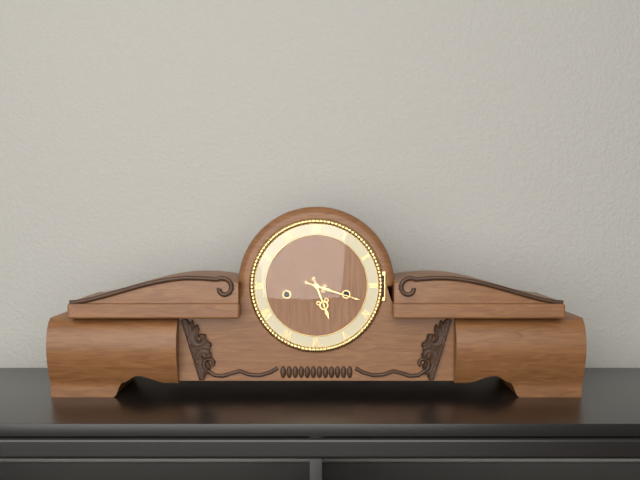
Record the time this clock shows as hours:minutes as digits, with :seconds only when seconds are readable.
5:18
